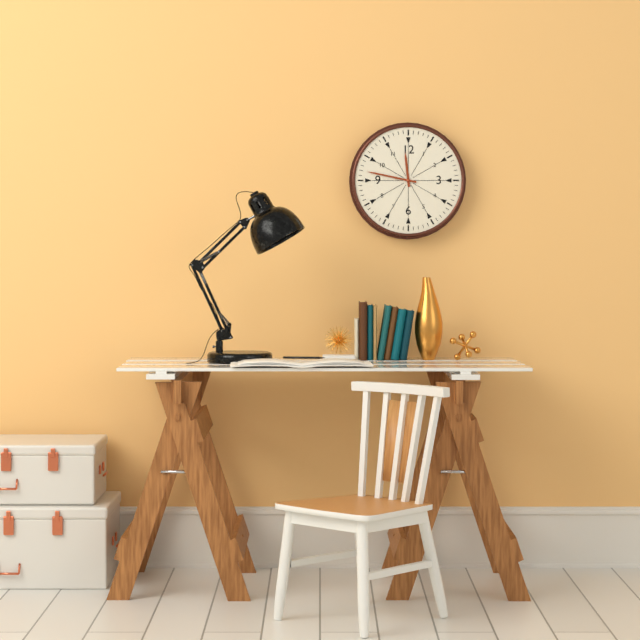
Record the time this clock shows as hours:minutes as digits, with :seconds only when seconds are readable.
11:47
